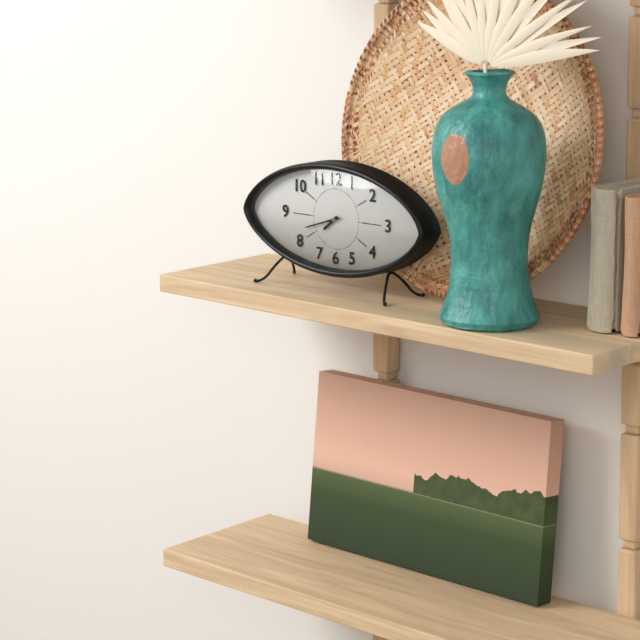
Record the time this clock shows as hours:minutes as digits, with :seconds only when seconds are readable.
7:42
